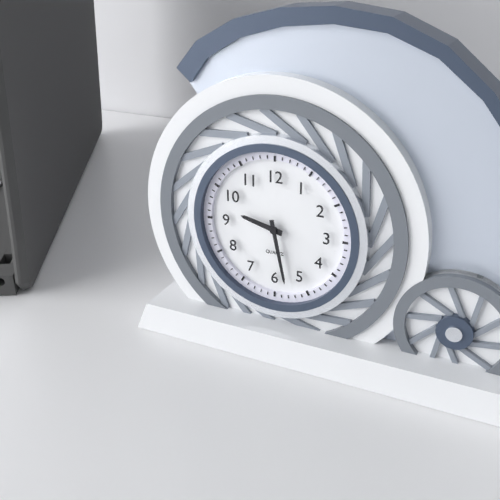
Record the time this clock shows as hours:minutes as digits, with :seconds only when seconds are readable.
9:28
